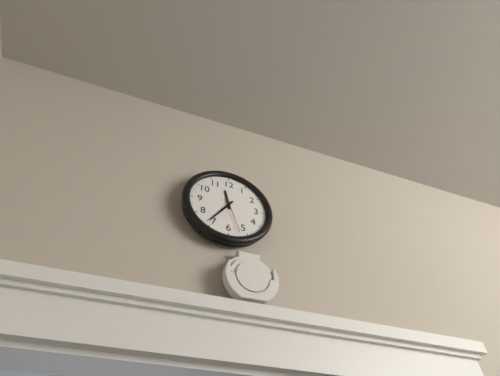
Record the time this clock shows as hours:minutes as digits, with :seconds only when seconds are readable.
11:36
